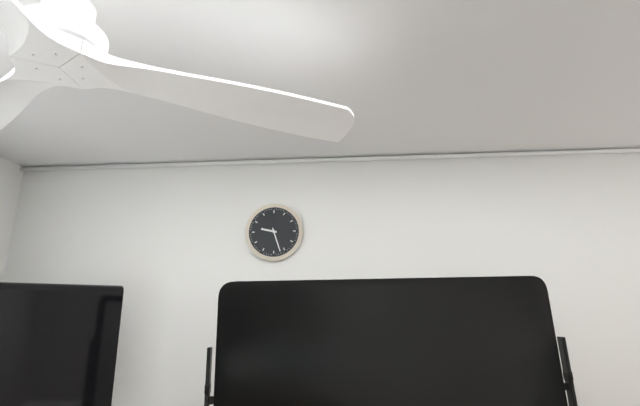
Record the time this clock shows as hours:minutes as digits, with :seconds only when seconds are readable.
9:27
